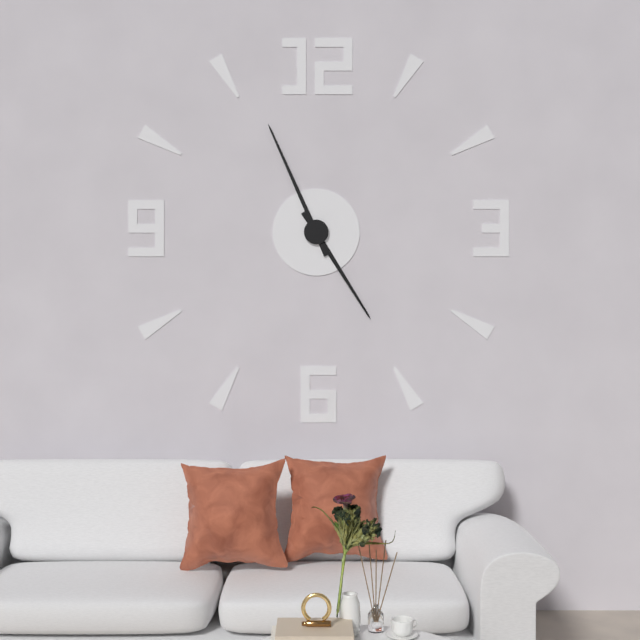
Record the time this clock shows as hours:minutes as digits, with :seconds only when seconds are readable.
4:56
